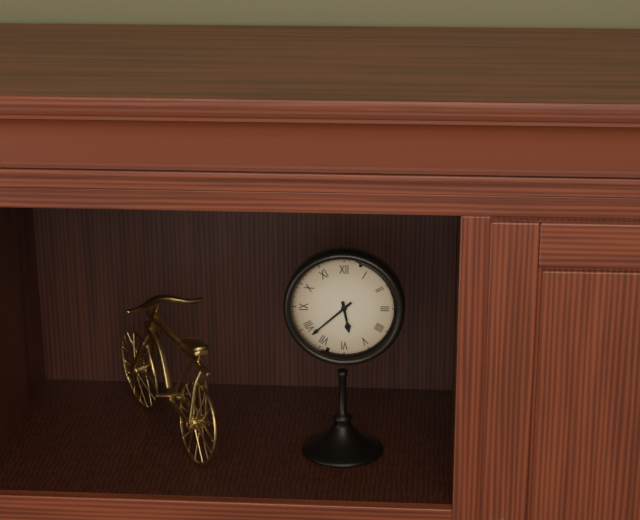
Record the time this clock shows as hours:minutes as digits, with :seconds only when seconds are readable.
5:38
